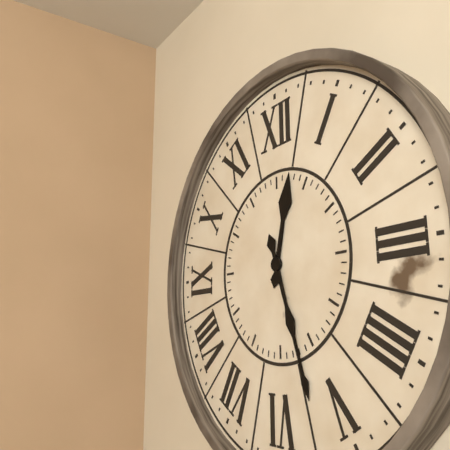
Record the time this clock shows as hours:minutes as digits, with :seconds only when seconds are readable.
12:27
